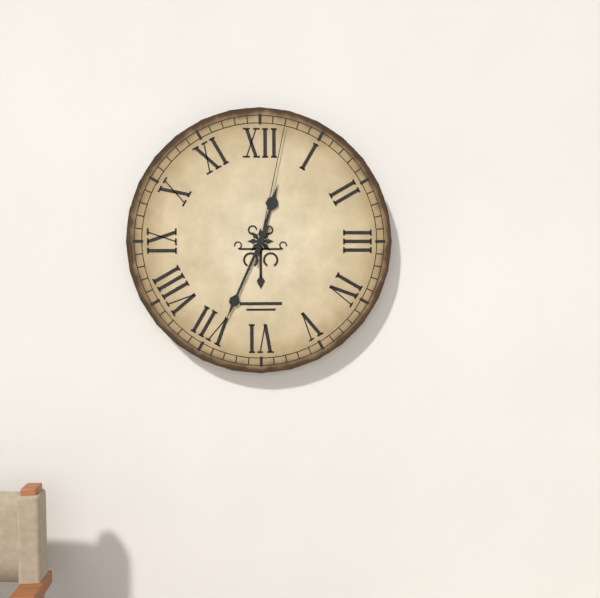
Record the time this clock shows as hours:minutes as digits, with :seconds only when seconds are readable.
12:34:02
